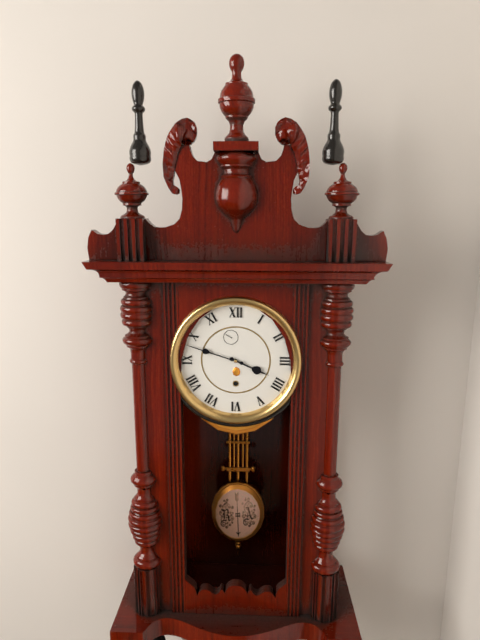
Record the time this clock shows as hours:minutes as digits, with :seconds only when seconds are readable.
3:48
